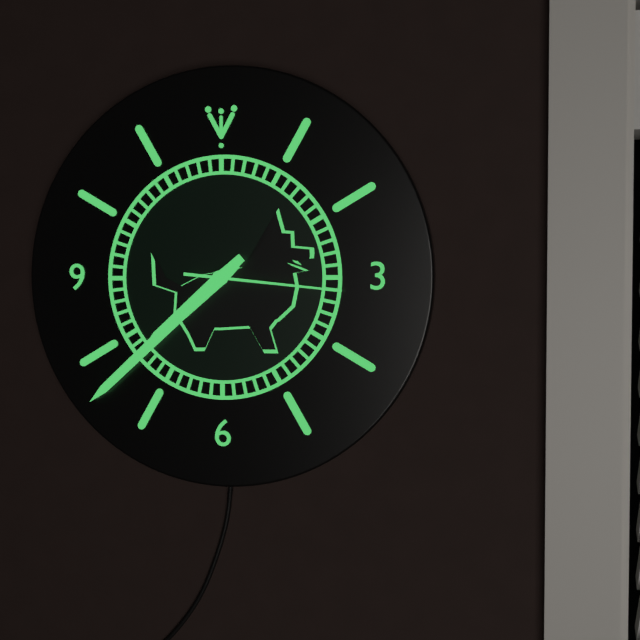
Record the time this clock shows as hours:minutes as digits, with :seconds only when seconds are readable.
7:38:16
